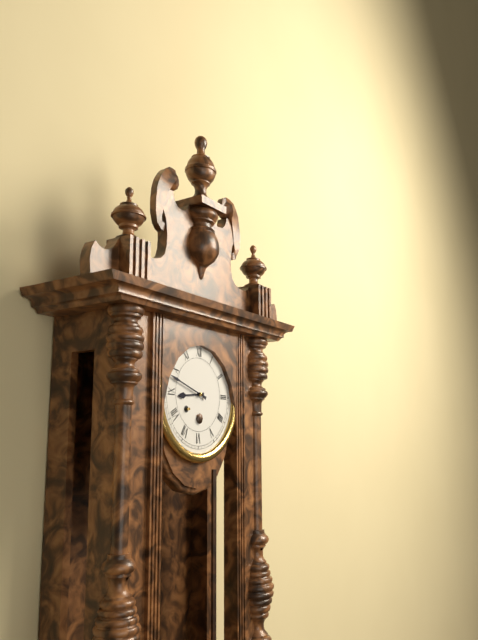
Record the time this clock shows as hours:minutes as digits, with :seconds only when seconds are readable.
8:48
